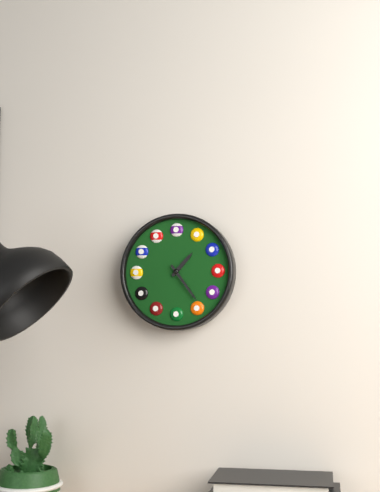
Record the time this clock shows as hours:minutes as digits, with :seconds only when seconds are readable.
1:24
